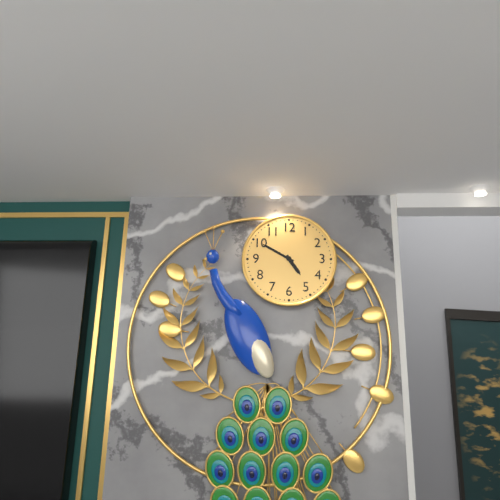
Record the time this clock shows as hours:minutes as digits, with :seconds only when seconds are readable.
4:50
